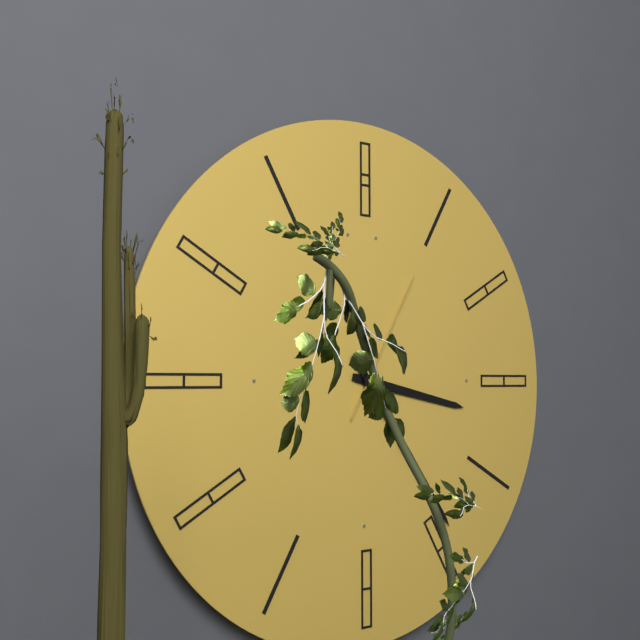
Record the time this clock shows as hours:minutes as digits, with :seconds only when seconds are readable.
3:24:05
